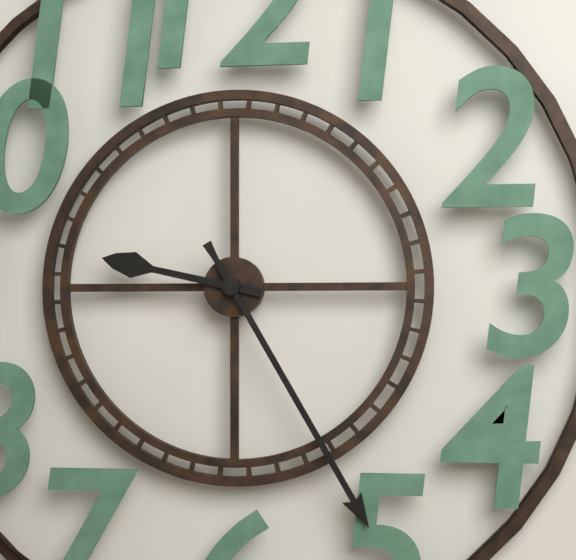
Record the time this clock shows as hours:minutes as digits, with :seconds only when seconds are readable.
9:25
